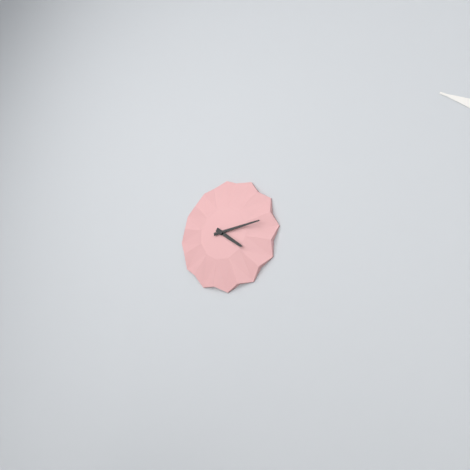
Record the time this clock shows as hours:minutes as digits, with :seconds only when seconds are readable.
4:14
